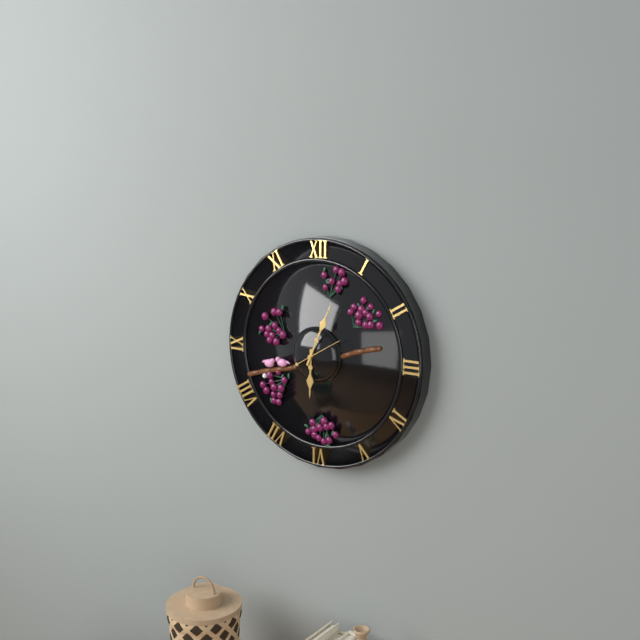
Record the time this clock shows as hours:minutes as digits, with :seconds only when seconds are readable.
6:04
